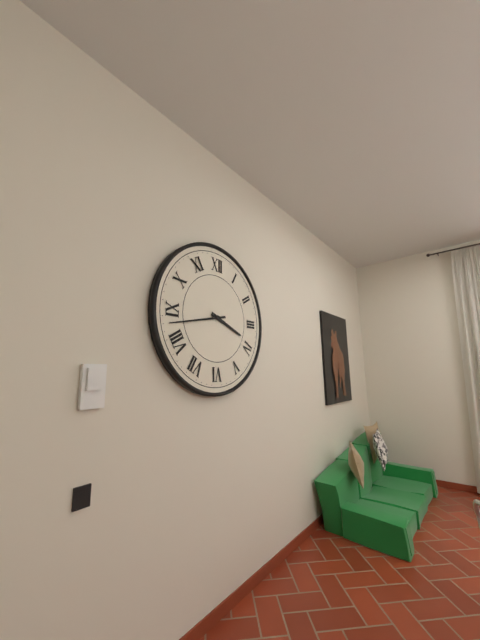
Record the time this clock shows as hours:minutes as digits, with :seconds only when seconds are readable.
3:43
